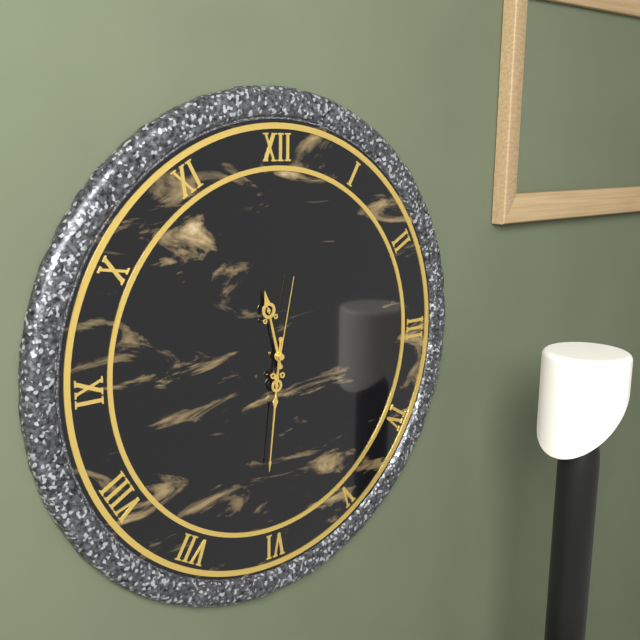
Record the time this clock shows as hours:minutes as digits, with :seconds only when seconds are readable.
11:31:02
